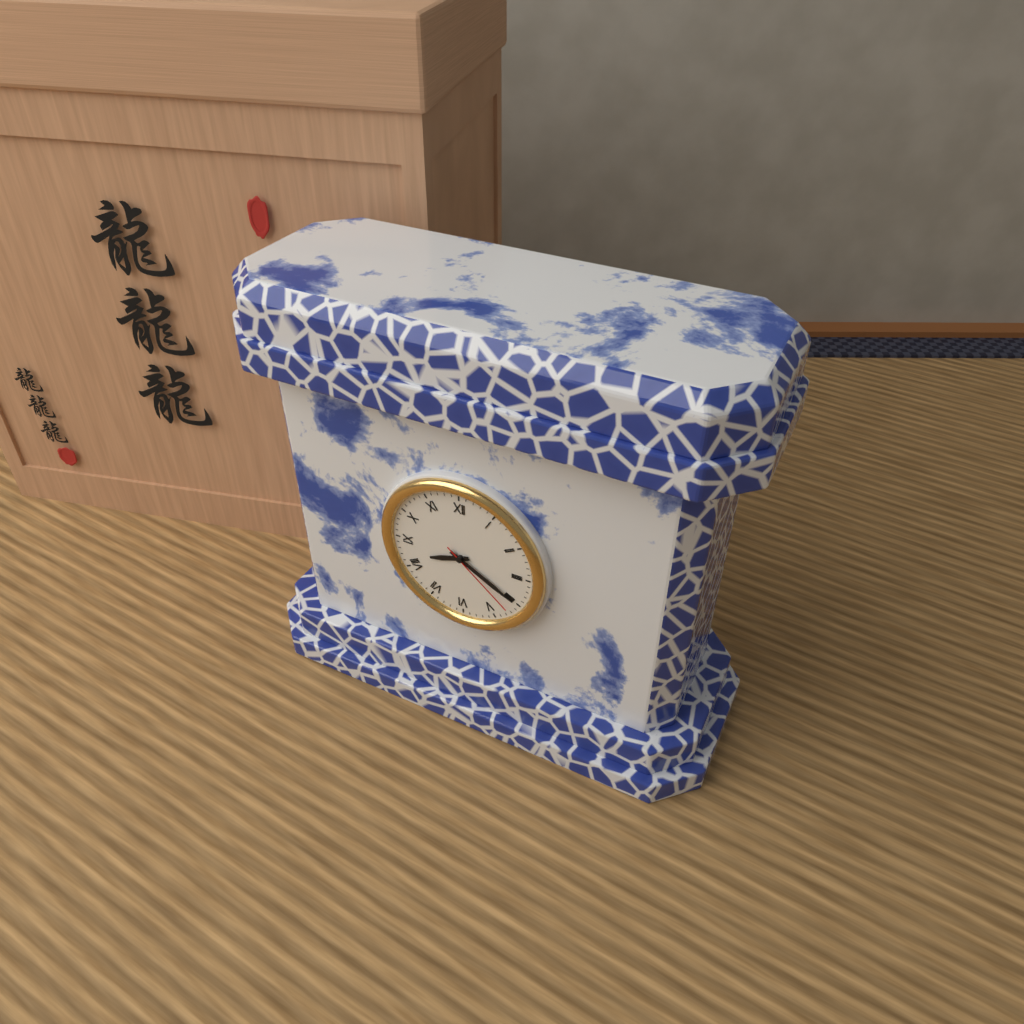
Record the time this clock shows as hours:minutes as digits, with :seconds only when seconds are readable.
8:20:22
